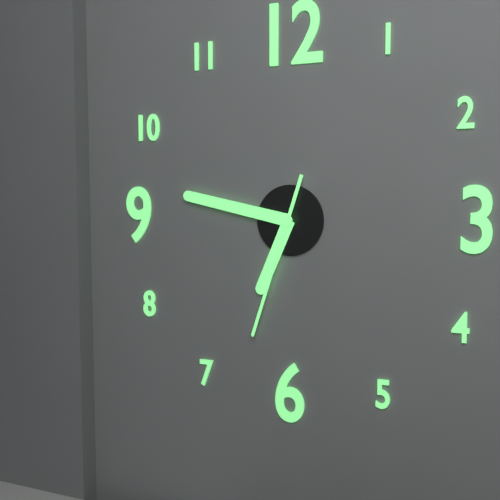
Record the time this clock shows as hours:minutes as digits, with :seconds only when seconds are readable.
6:47:33
